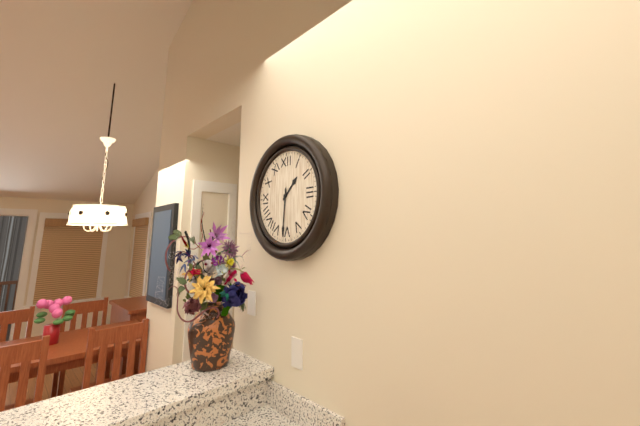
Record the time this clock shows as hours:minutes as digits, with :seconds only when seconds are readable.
1:31
